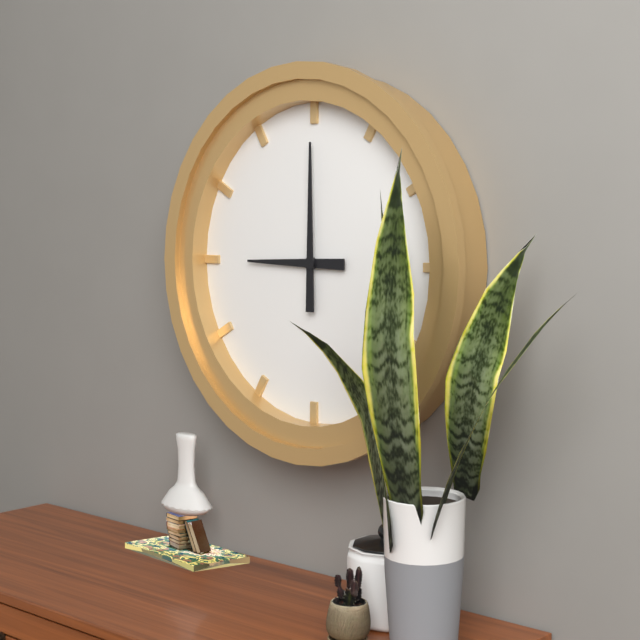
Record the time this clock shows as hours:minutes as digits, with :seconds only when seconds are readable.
9:00
